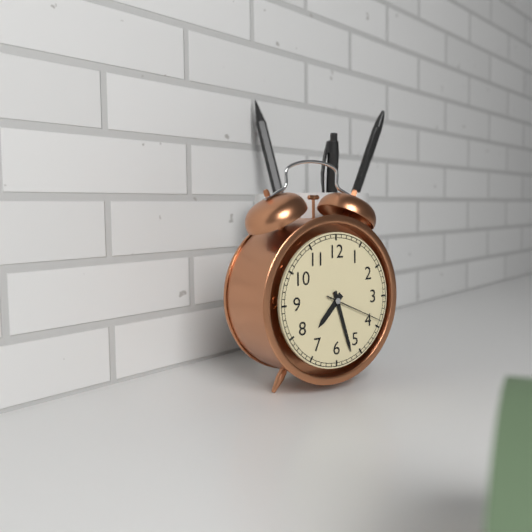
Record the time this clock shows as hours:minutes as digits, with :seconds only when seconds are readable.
7:27:19
